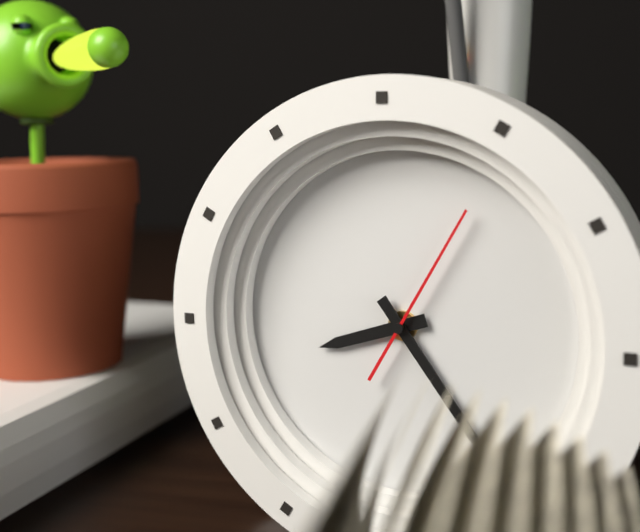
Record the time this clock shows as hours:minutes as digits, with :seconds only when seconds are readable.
8:24:05
